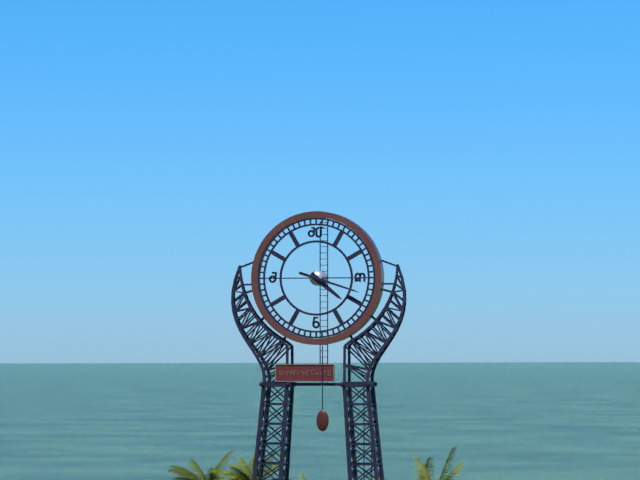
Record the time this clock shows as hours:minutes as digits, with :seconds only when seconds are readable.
4:18
